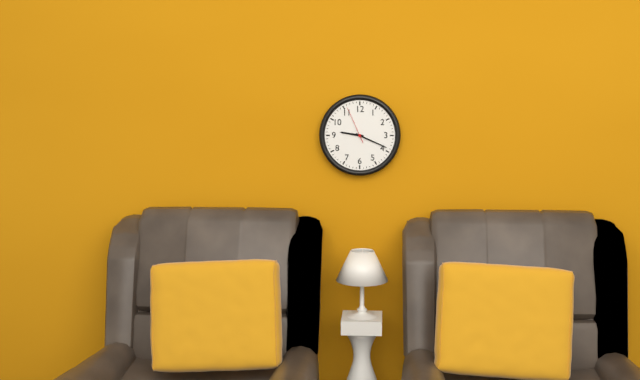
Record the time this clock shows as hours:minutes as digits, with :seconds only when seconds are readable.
9:19
